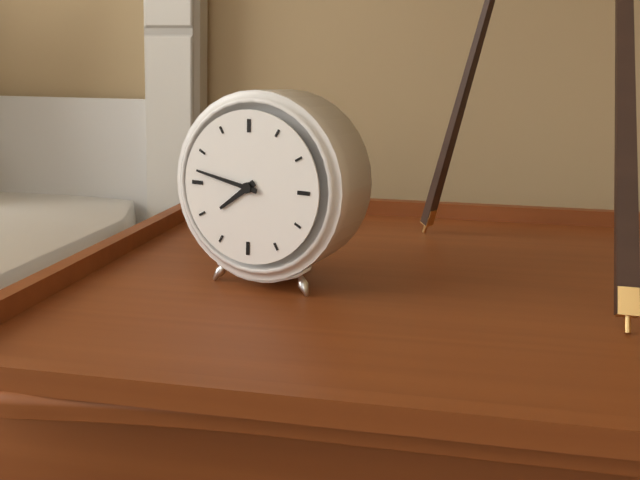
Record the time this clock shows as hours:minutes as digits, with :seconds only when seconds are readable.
7:47
